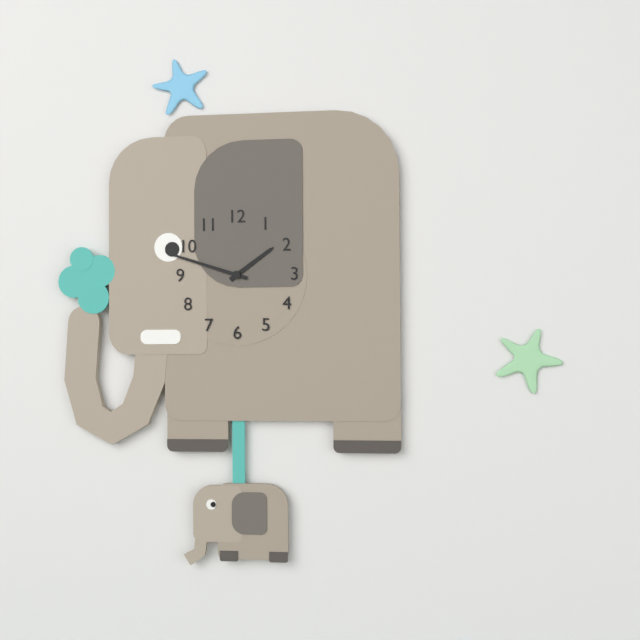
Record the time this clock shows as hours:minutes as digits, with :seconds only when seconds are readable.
1:48
